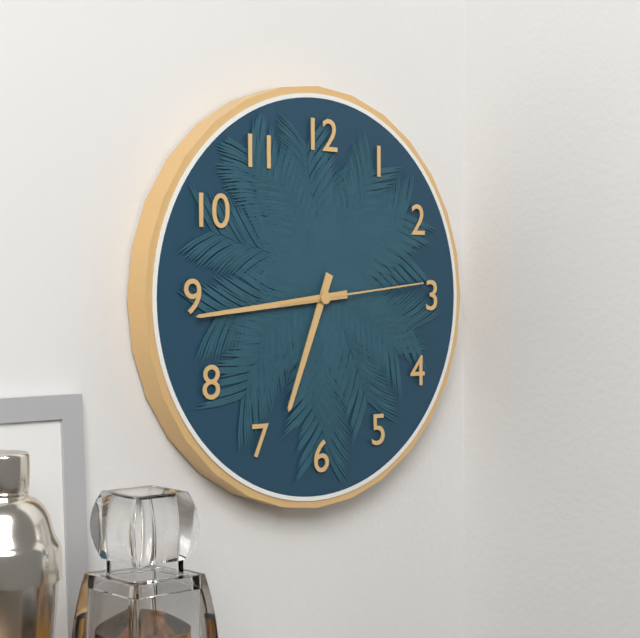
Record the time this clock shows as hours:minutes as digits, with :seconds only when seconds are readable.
6:44:14
